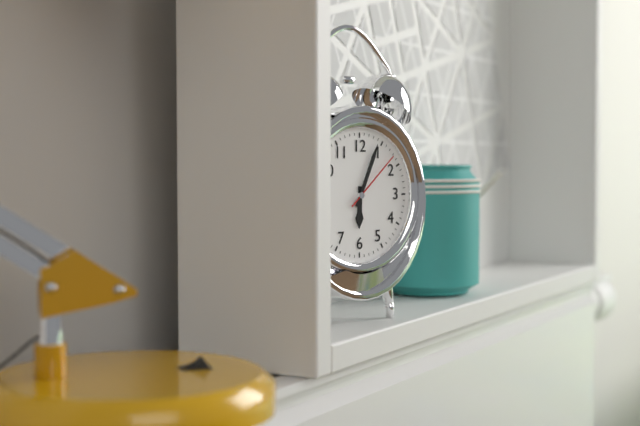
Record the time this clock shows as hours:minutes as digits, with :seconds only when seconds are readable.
6:04:08
